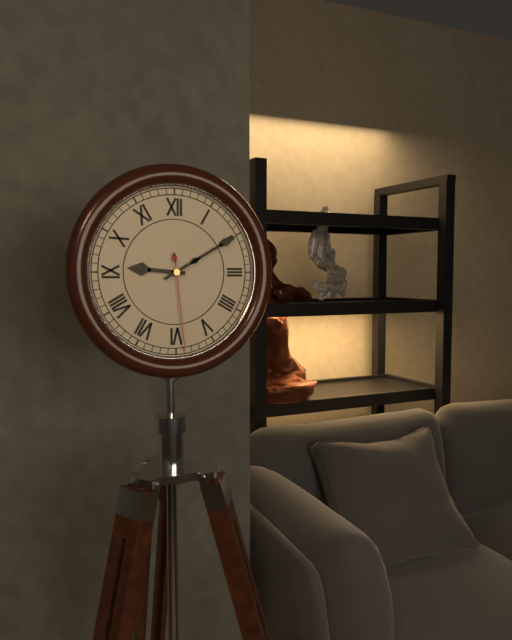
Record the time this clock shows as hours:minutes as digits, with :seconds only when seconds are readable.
9:10:29
